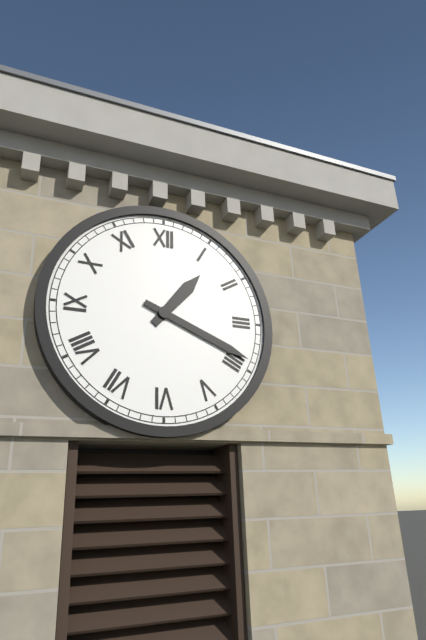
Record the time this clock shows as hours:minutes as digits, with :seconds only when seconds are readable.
1:19
